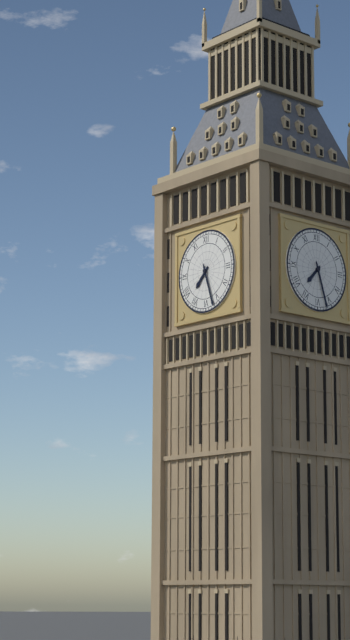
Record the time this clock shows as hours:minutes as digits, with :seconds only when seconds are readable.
7:27
